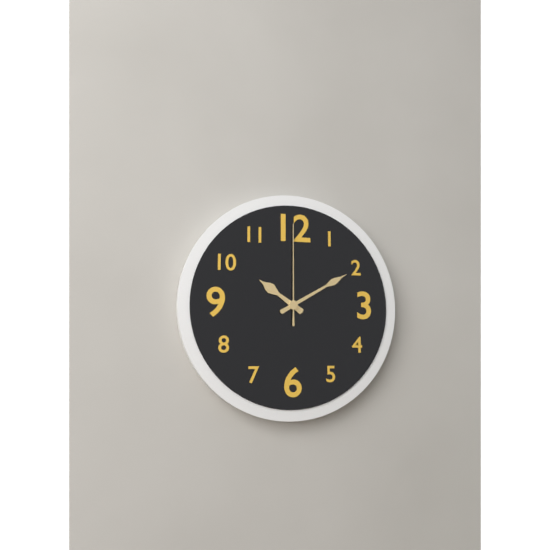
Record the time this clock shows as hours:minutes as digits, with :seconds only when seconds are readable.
10:10:00
